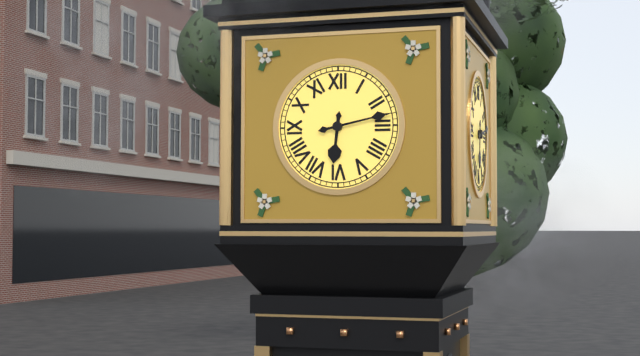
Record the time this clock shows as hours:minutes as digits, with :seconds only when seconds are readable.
6:13
